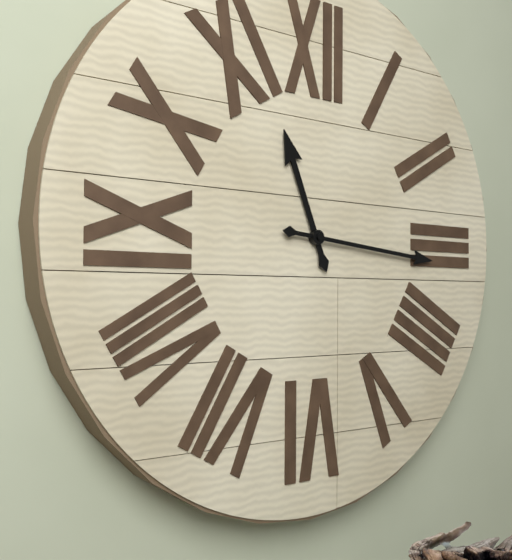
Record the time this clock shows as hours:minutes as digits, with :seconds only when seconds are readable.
11:16
